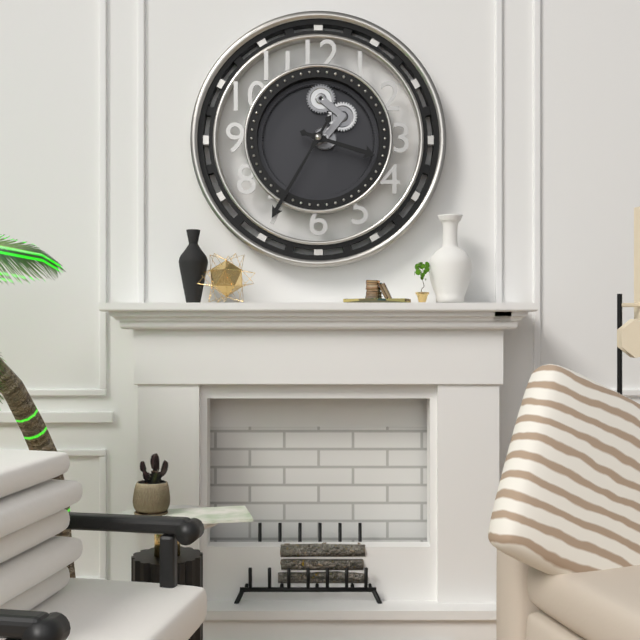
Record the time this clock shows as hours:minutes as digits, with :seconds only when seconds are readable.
3:35
